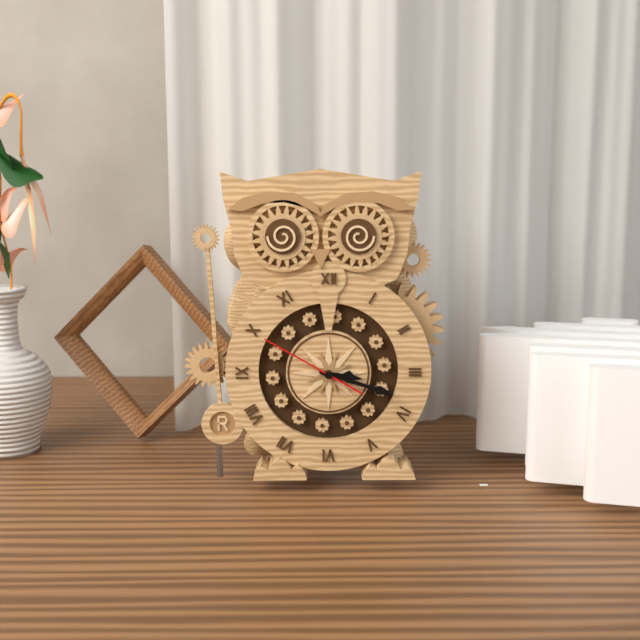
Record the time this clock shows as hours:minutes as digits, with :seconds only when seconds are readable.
3:18:50
